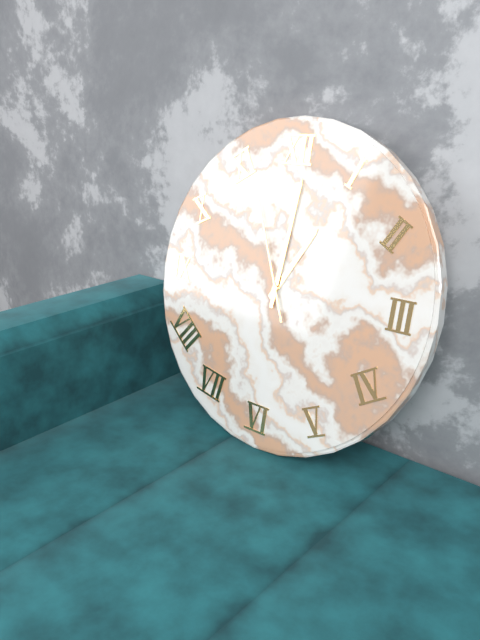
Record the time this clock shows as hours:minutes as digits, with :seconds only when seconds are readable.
1:01:56
